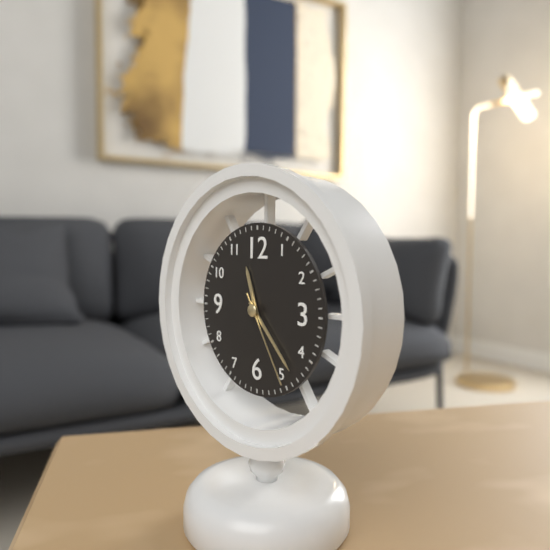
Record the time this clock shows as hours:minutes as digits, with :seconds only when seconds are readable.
11:23:25
